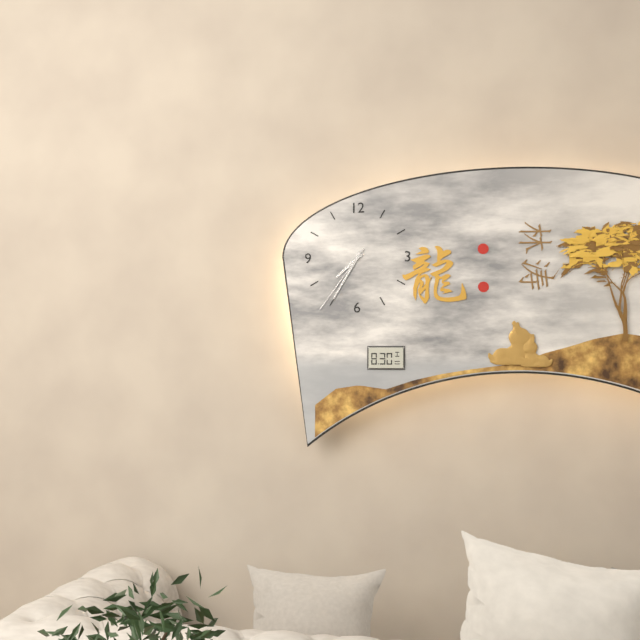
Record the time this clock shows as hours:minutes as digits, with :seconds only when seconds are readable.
7:35:36
